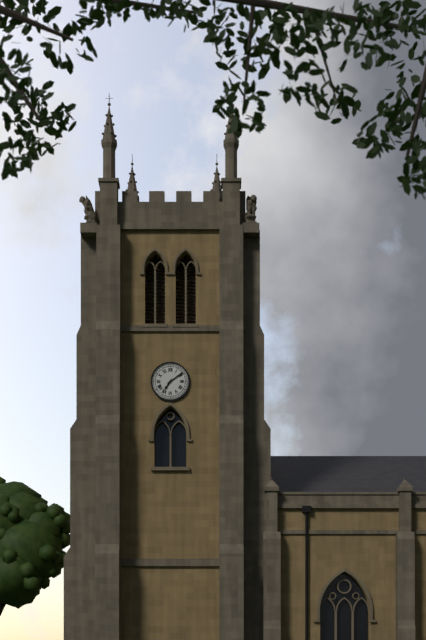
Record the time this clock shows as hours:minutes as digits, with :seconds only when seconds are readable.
7:09
